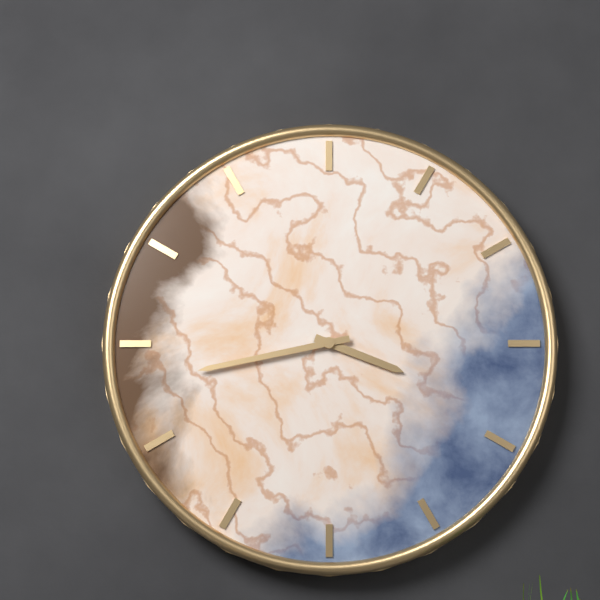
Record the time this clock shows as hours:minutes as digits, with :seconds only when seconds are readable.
3:43
